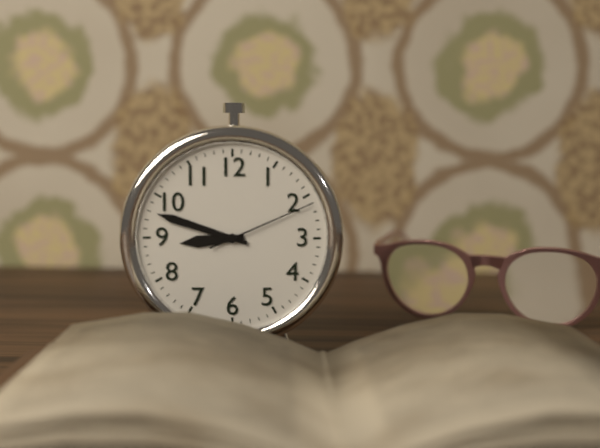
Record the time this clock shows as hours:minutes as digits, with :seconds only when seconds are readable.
8:48:11
